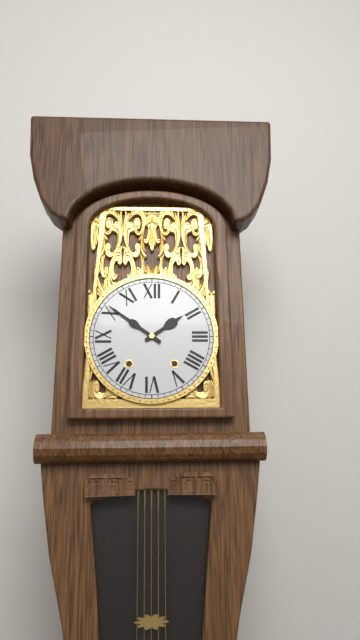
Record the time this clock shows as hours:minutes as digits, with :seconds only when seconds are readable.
1:51
